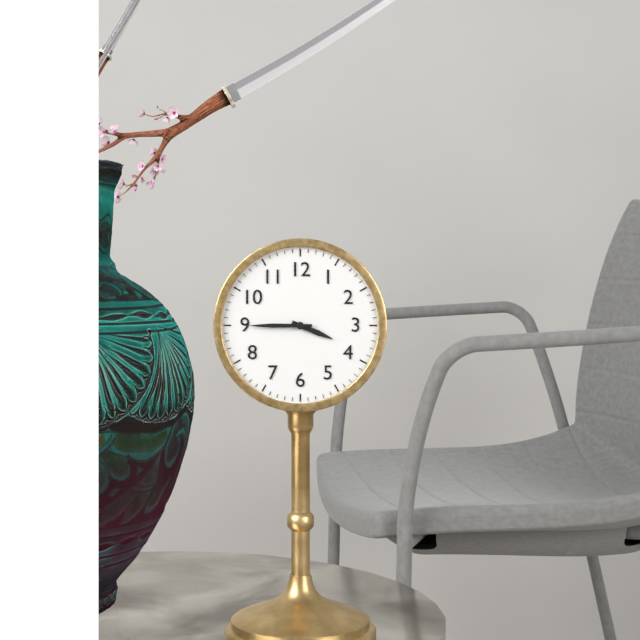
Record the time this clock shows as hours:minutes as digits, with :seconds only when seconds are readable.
3:45
